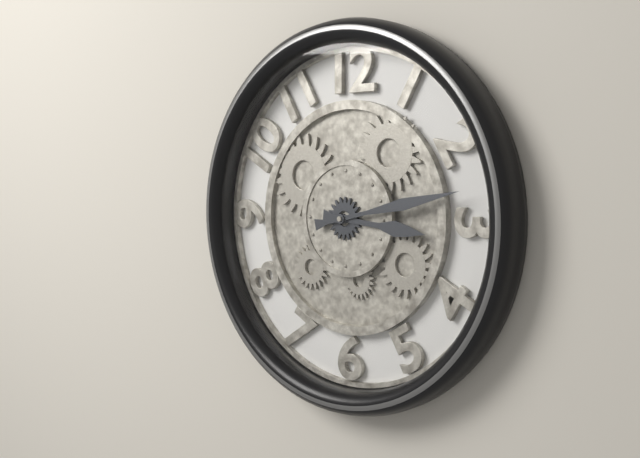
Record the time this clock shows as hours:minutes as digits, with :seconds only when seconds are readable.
3:13
